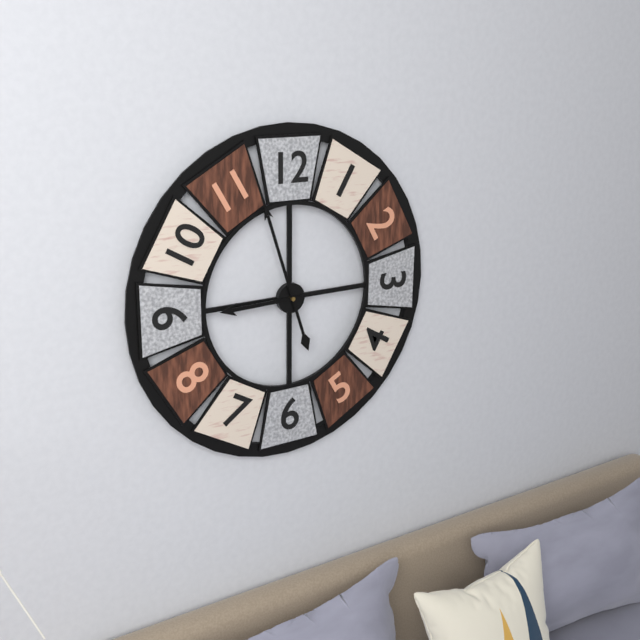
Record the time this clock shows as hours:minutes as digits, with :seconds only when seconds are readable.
8:57
